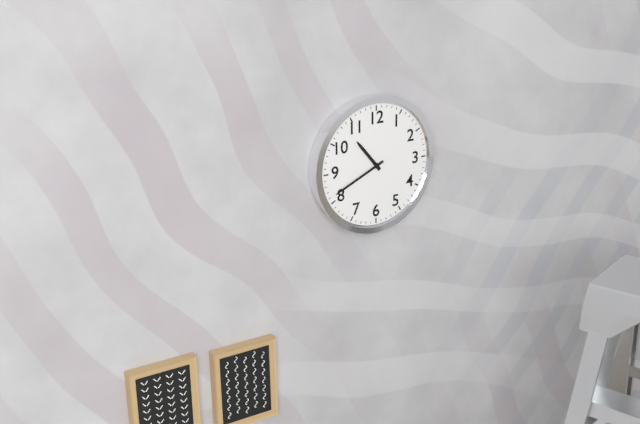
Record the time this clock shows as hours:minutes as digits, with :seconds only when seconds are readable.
10:41
